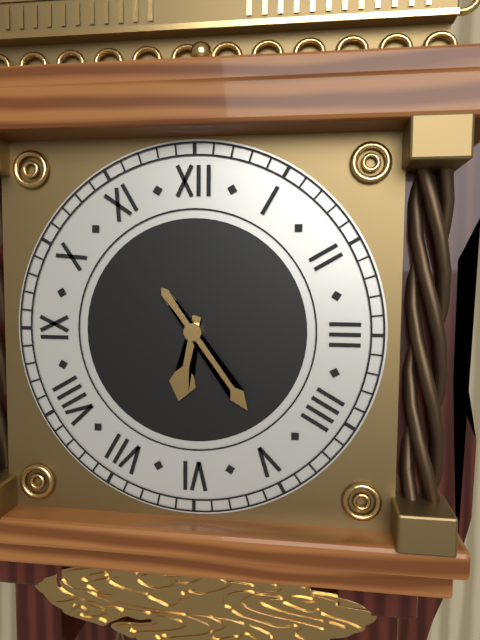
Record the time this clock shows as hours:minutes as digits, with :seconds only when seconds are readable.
6:24
